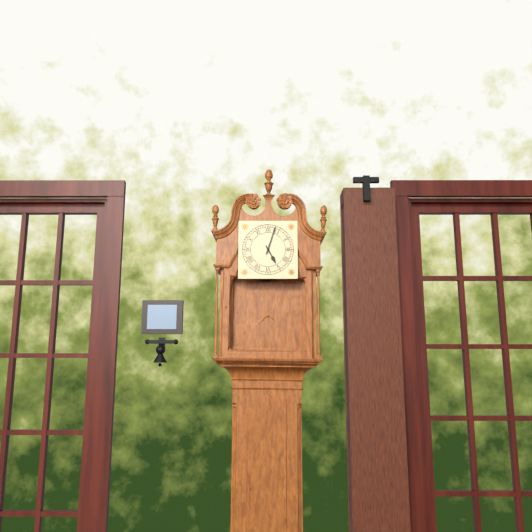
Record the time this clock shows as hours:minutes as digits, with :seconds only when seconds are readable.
5:03
